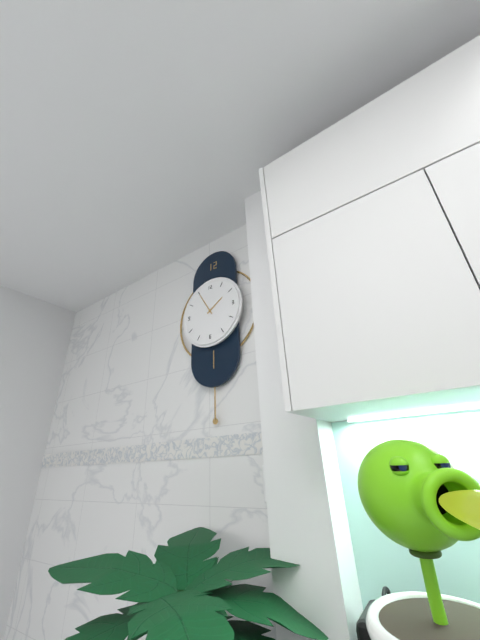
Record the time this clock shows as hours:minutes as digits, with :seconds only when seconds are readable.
1:55
